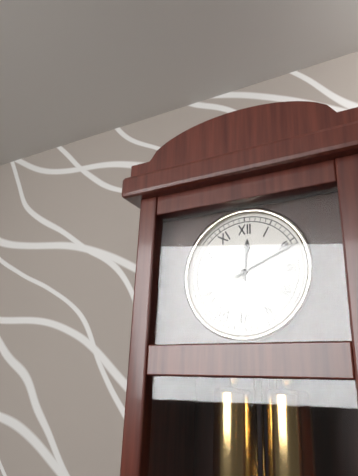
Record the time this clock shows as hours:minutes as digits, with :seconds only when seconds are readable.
12:11
